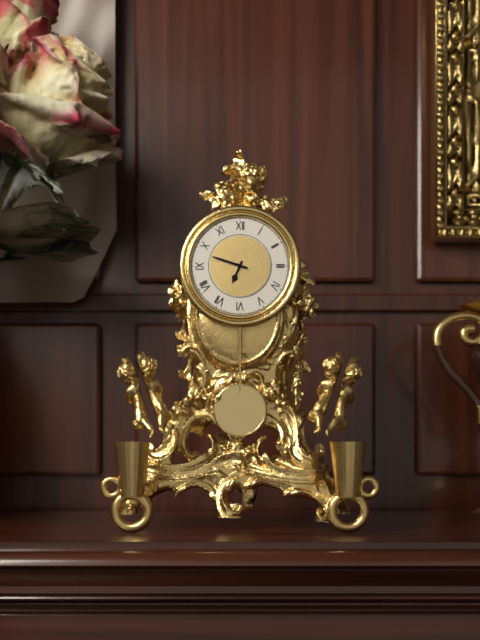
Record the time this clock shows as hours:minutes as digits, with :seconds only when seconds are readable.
6:48
